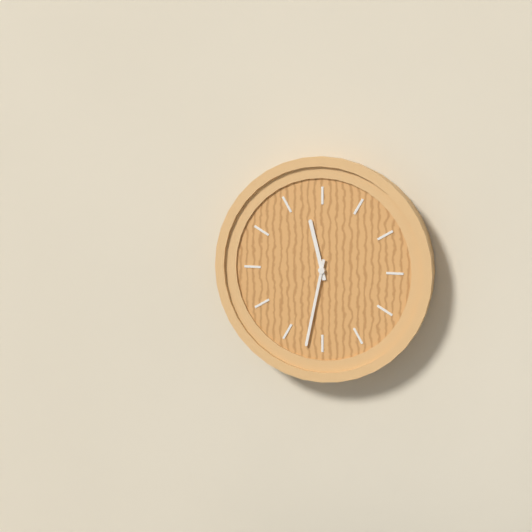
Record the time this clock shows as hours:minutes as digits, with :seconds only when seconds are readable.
11:32
